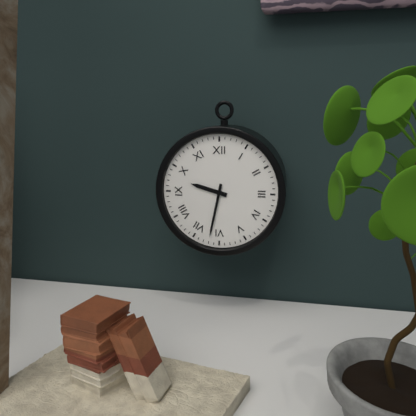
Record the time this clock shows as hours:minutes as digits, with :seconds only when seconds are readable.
9:32
